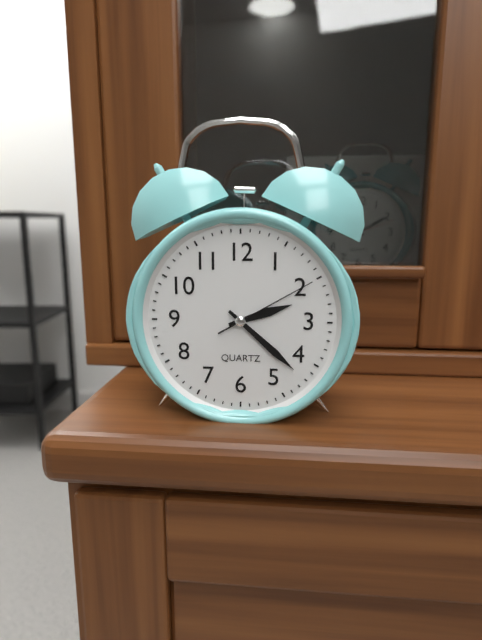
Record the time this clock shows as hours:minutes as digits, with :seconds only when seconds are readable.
2:22:10
